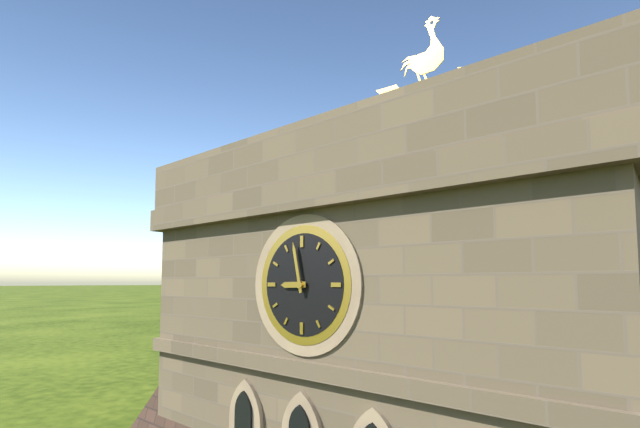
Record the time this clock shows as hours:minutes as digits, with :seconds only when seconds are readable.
8:58
